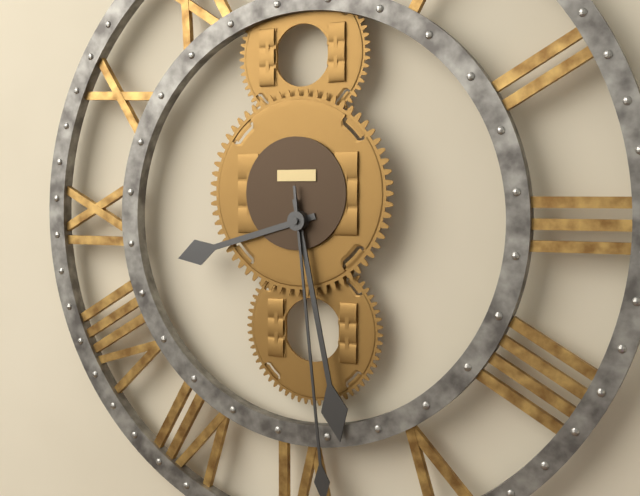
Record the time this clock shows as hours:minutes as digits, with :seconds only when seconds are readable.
8:28
